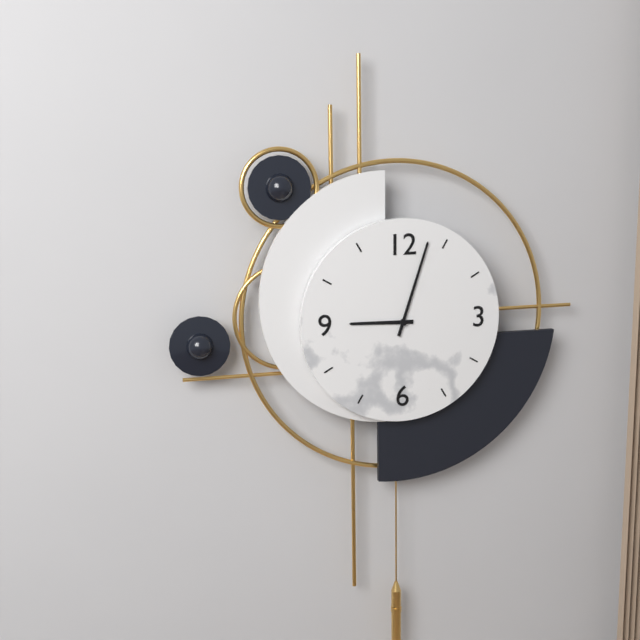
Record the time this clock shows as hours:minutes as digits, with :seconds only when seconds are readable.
9:03
